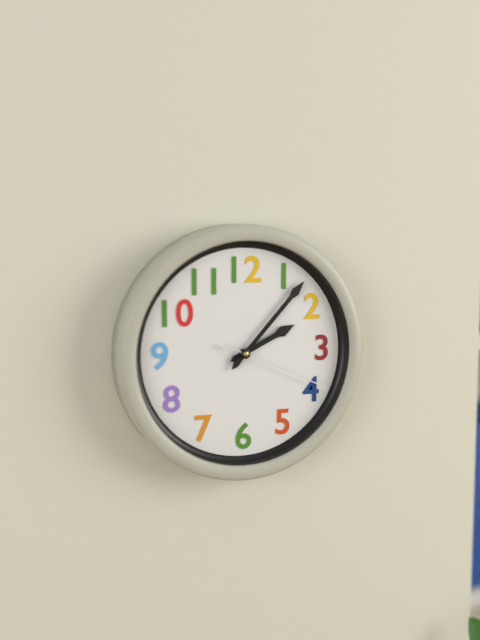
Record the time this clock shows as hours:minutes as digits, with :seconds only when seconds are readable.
2:07:19
